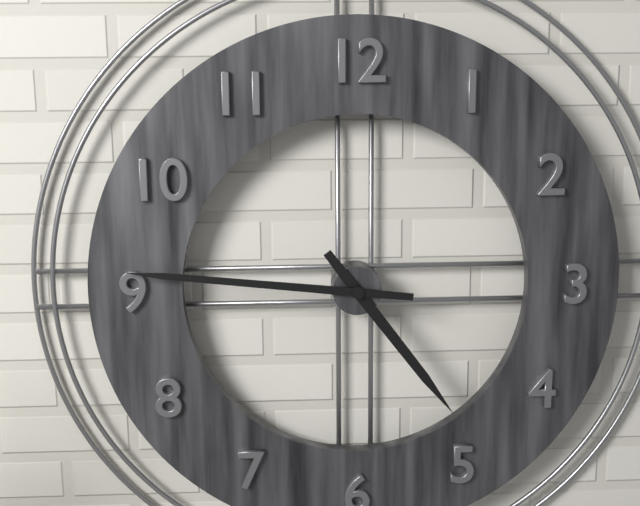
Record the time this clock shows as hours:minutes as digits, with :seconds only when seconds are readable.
4:46
